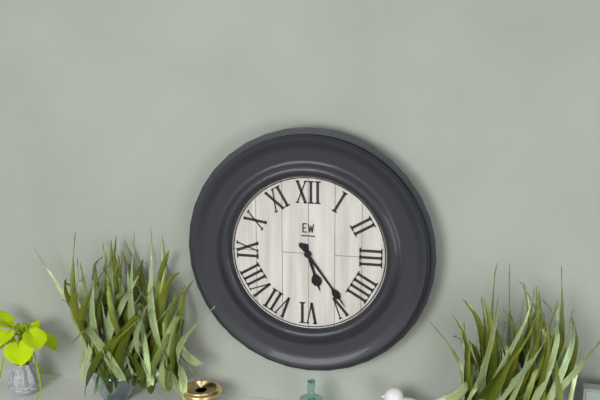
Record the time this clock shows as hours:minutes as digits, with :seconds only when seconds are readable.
5:24
